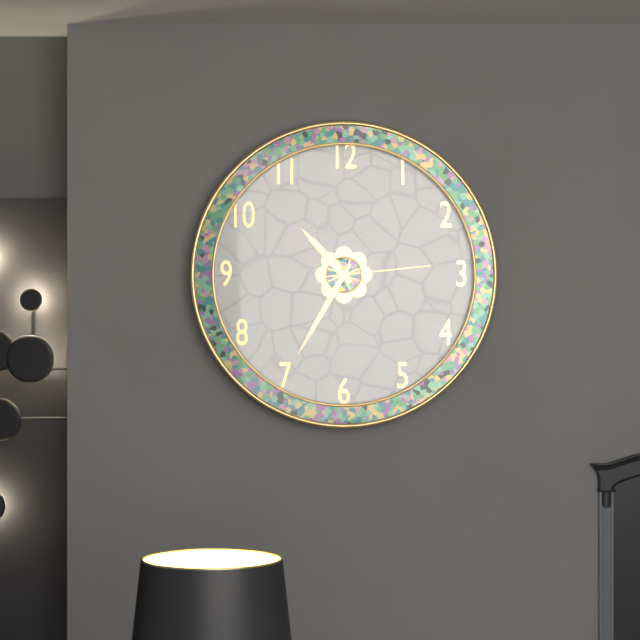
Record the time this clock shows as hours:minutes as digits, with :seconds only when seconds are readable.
10:35:14
